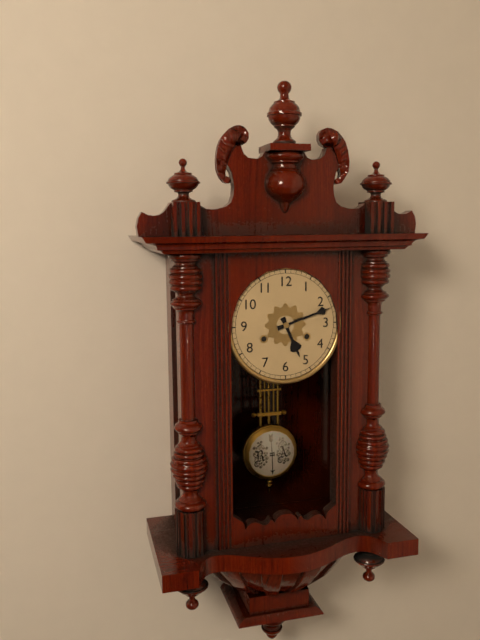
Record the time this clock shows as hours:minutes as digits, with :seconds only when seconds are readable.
5:12
